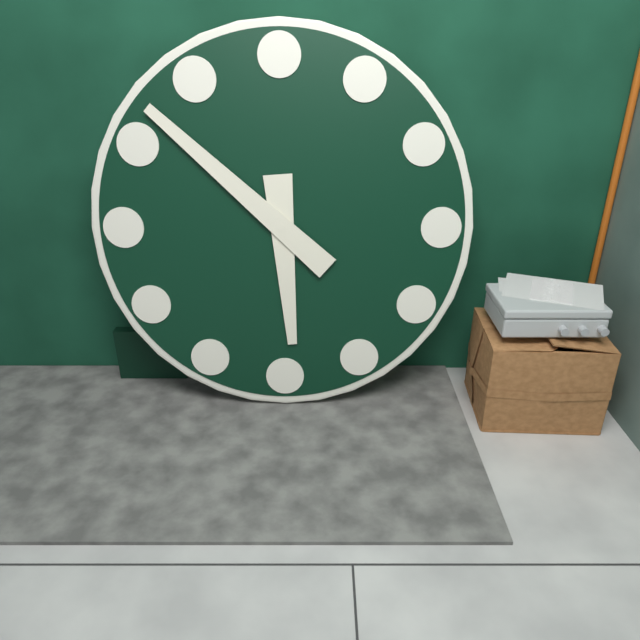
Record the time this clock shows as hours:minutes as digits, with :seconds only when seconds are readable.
5:52
